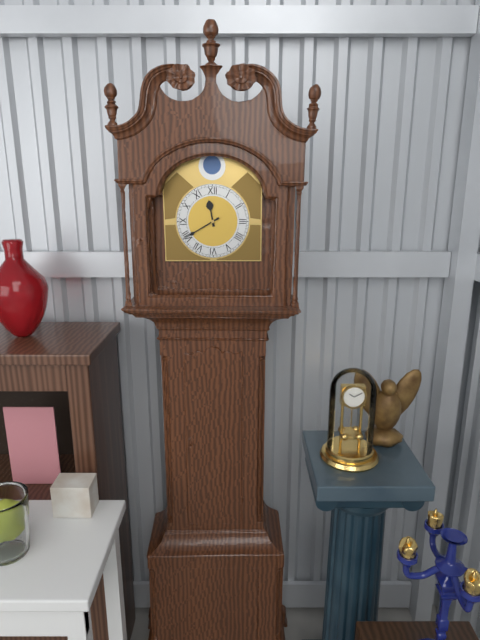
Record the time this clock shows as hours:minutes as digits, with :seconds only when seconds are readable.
11:40
